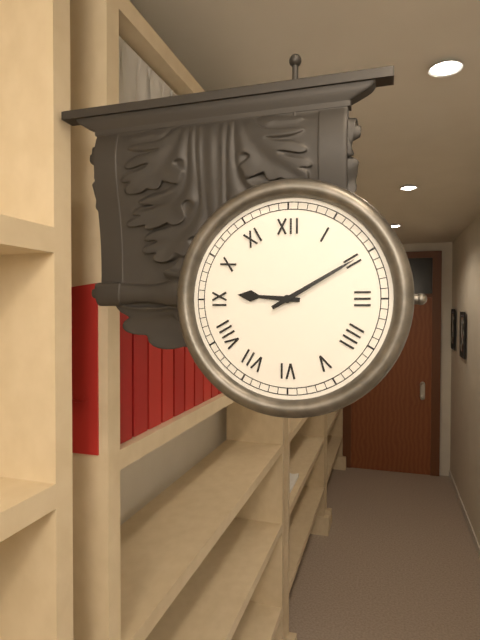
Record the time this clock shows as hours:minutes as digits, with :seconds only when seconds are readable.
9:10
